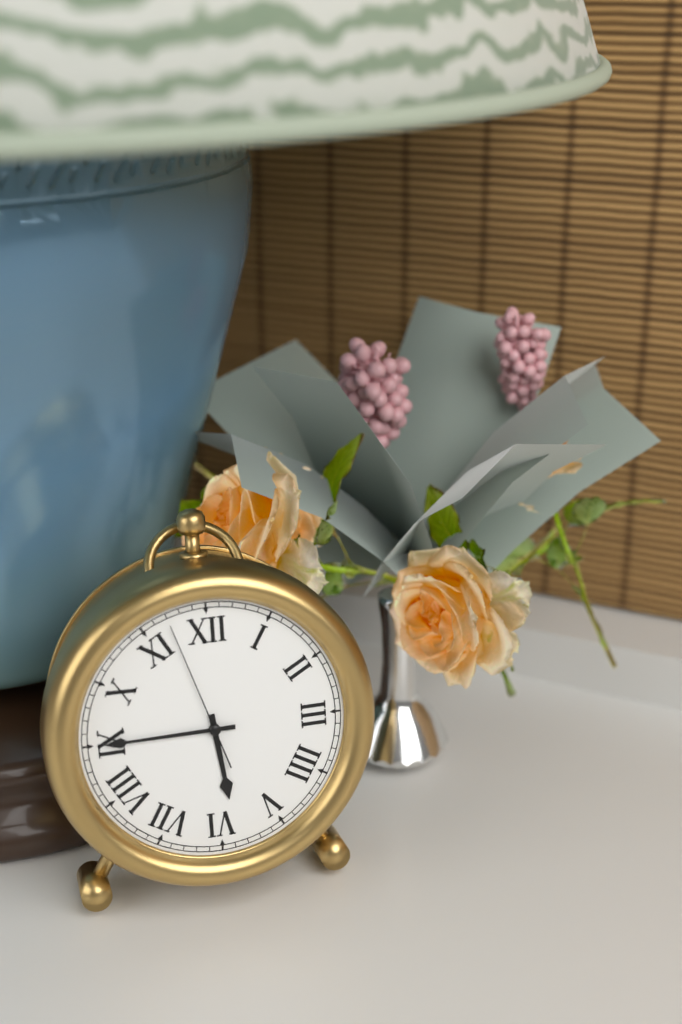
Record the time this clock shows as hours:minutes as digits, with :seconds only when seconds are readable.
5:45:57
